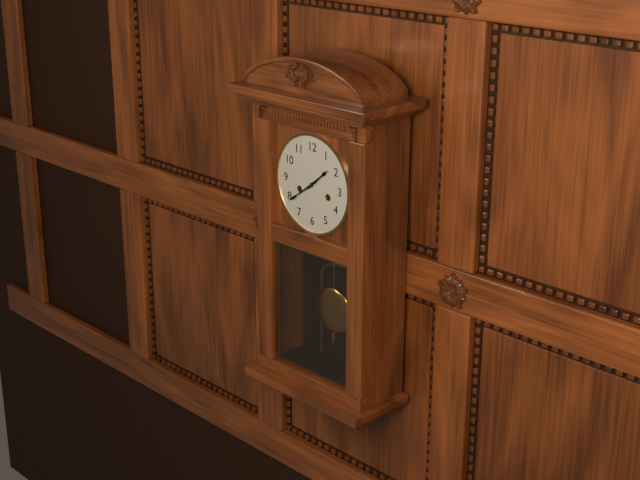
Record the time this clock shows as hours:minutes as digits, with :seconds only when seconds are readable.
1:39
